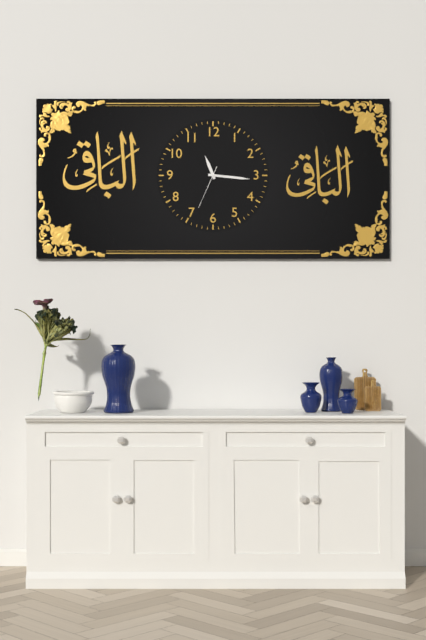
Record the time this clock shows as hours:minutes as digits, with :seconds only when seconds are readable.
11:16
